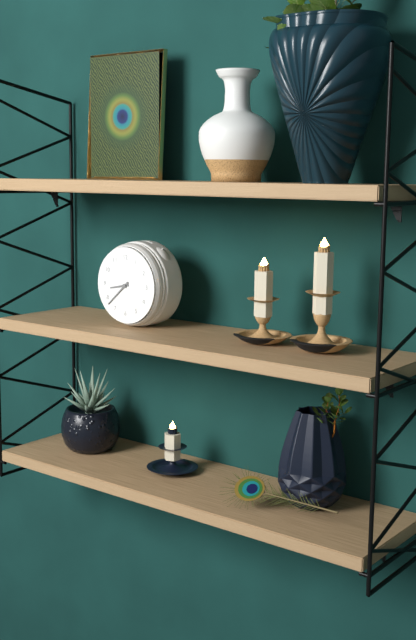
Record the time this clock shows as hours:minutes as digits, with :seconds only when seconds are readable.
8:38
